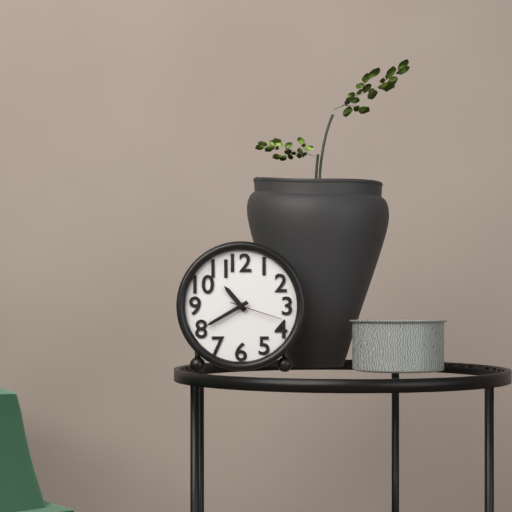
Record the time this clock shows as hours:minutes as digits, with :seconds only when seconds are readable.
10:40:18
